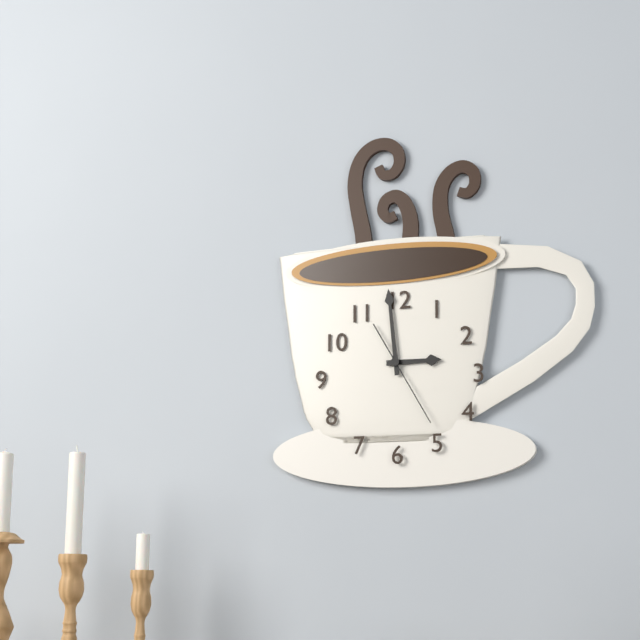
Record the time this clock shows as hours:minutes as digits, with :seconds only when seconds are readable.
2:59:25
